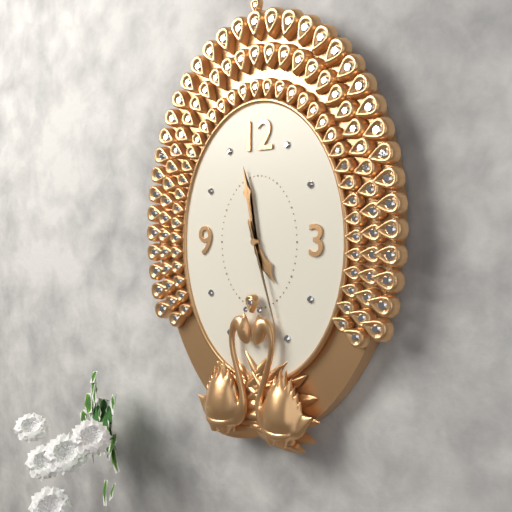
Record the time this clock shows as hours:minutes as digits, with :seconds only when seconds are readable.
4:58:27
